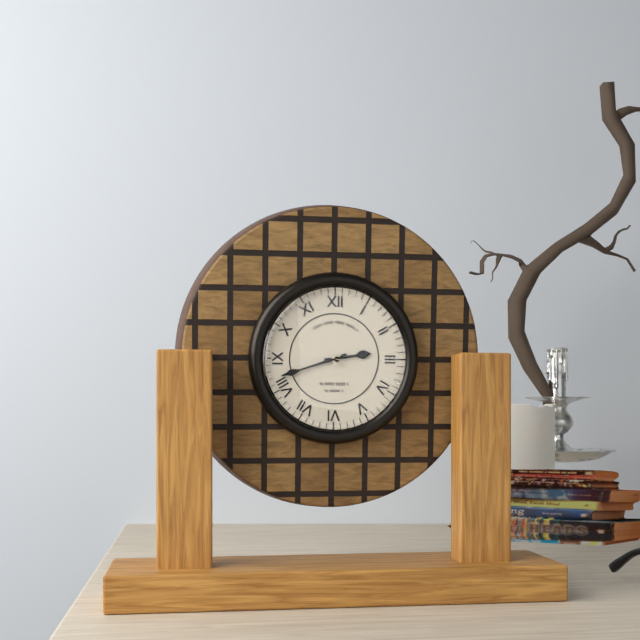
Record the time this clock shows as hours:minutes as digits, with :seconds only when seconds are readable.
2:42
